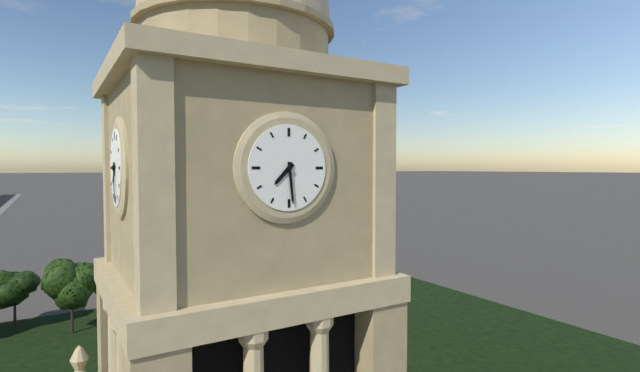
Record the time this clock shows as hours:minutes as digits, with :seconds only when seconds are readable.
7:29
